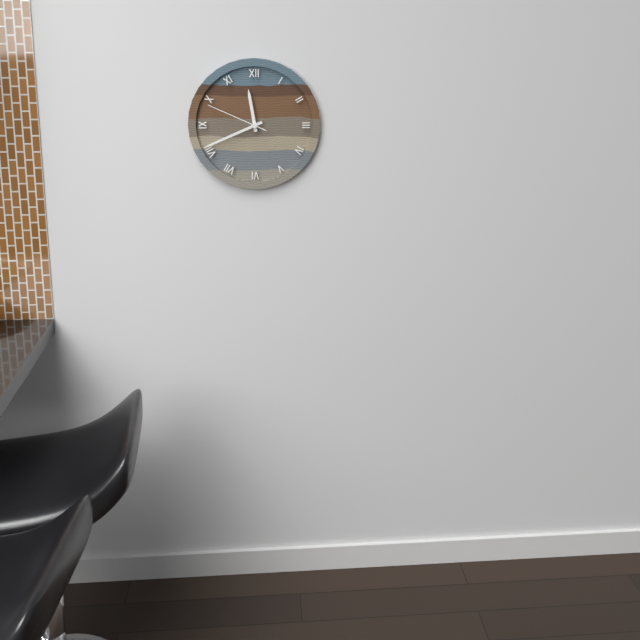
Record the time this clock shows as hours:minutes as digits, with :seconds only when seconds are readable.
11:41:49
